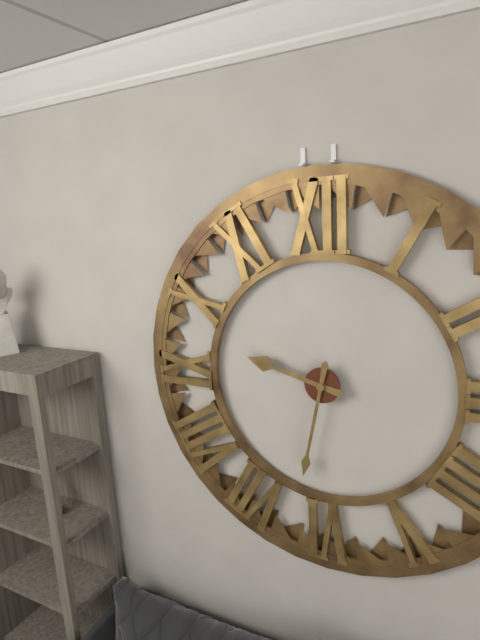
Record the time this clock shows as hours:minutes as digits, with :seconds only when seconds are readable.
9:32
